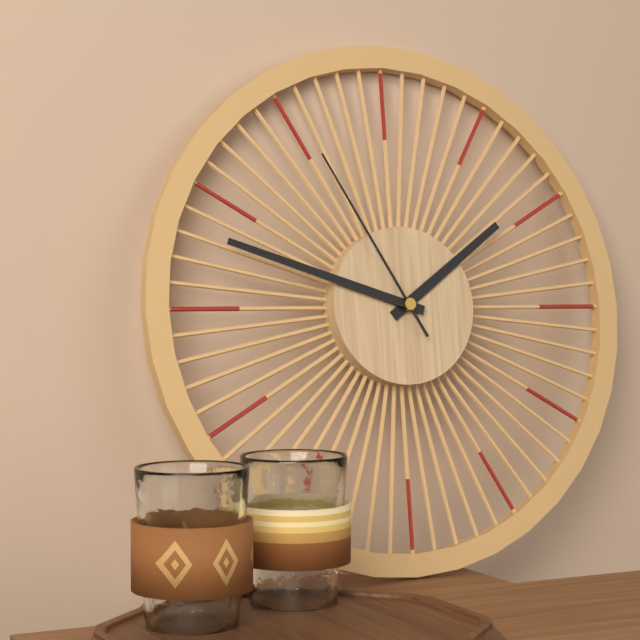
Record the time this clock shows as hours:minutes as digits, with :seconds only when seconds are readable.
1:48:55
